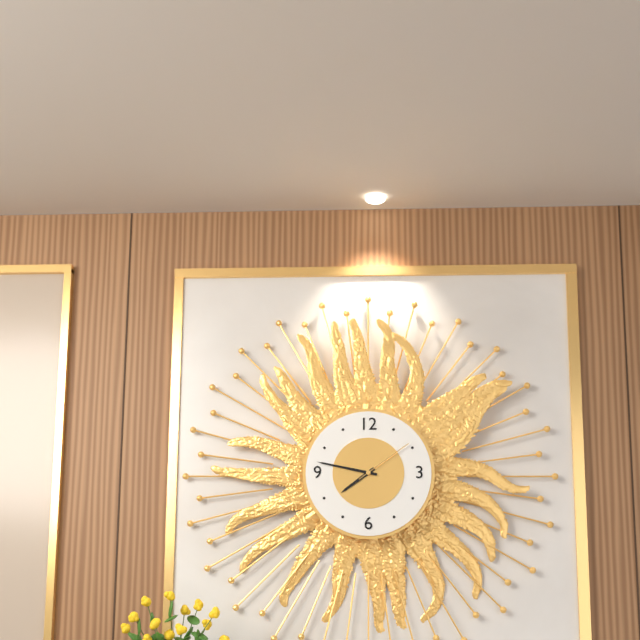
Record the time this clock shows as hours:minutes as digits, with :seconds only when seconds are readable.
7:47:09
